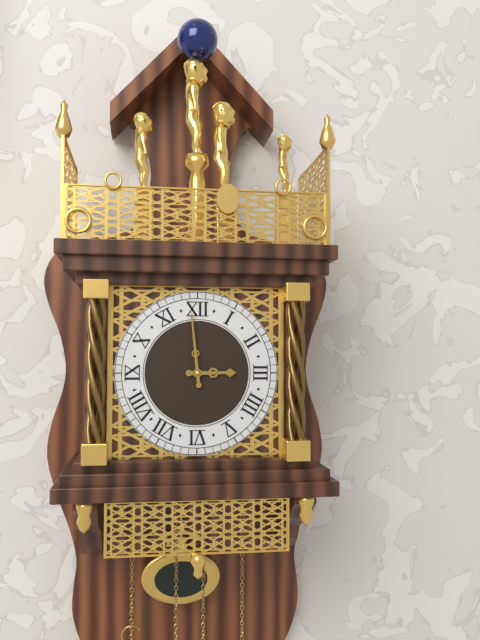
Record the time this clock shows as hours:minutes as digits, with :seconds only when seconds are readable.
2:59
